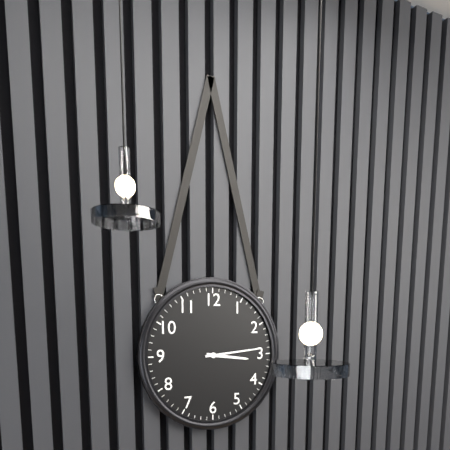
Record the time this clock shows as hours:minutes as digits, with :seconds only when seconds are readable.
3:14
